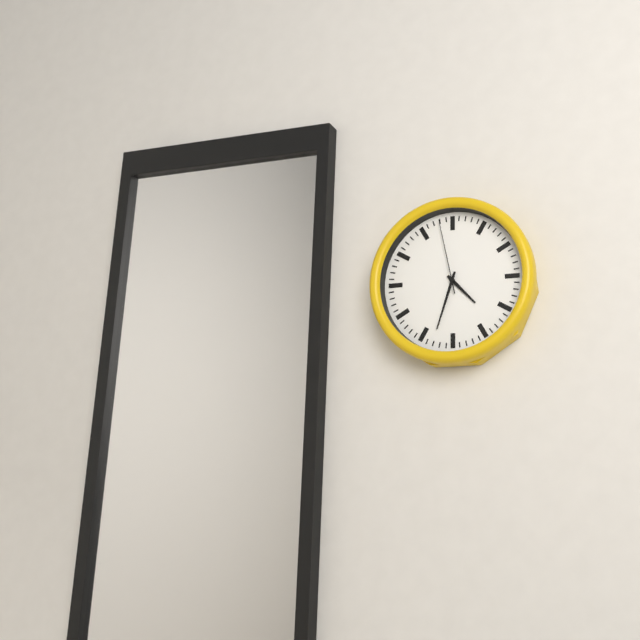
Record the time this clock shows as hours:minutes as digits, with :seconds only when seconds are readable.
4:33:58
